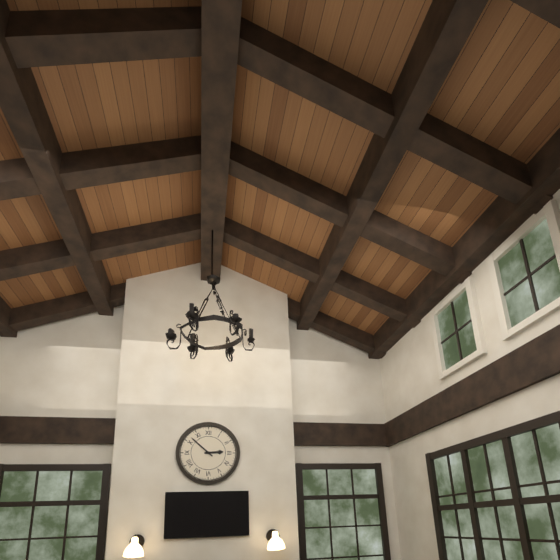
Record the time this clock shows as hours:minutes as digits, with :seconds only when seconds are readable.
2:52
